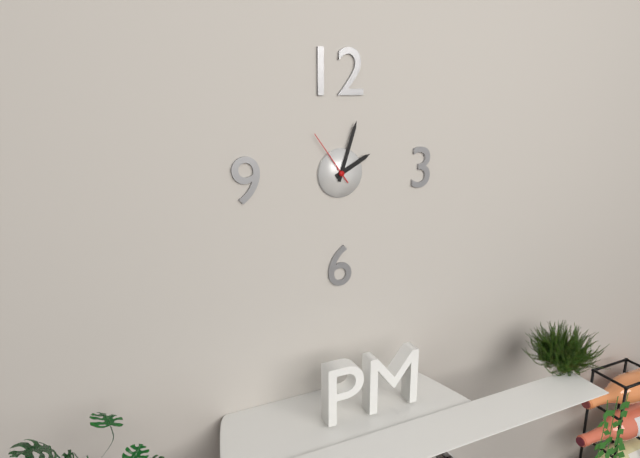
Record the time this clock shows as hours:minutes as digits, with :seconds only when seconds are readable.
2:03:54
